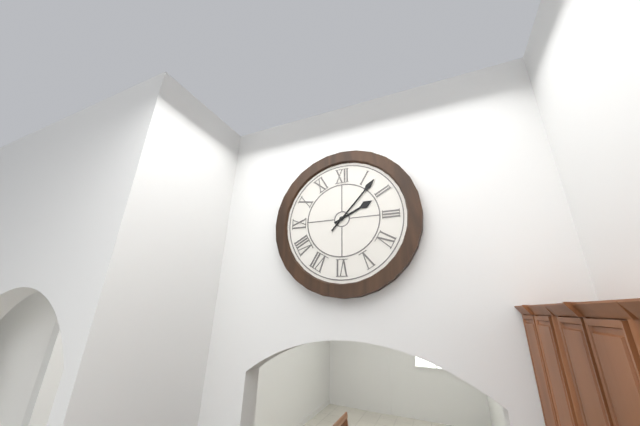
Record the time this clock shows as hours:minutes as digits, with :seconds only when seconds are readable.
2:07
